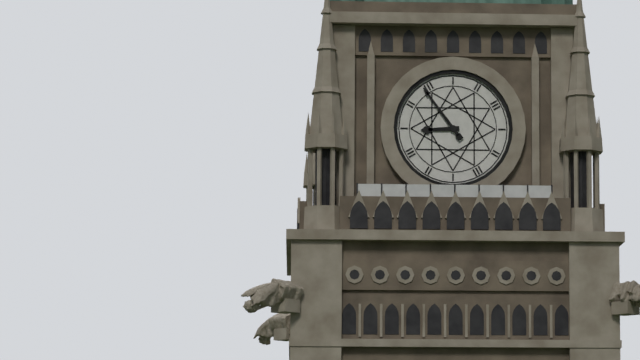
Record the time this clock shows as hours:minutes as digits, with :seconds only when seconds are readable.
8:54
